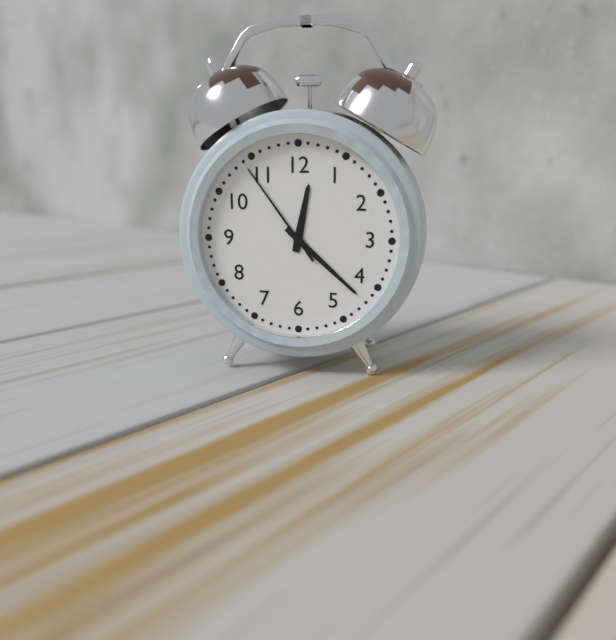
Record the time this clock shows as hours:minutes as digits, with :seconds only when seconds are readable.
12:22:54
